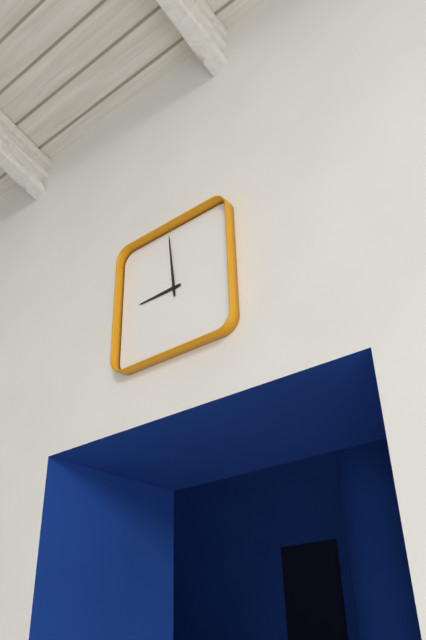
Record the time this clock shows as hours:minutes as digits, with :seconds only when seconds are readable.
8:59
